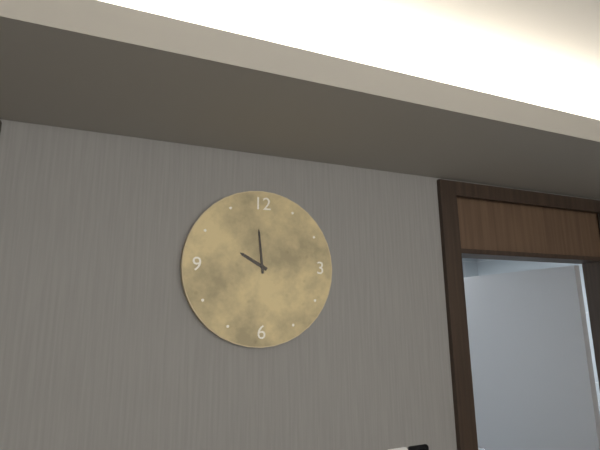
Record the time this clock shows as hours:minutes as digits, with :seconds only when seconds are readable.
9:59
